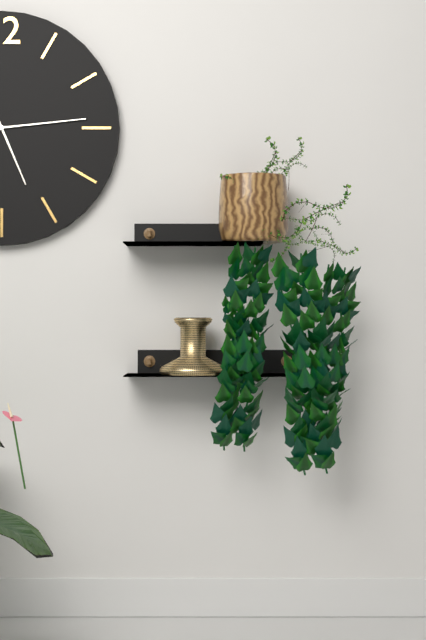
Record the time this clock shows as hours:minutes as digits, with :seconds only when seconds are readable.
5:14
